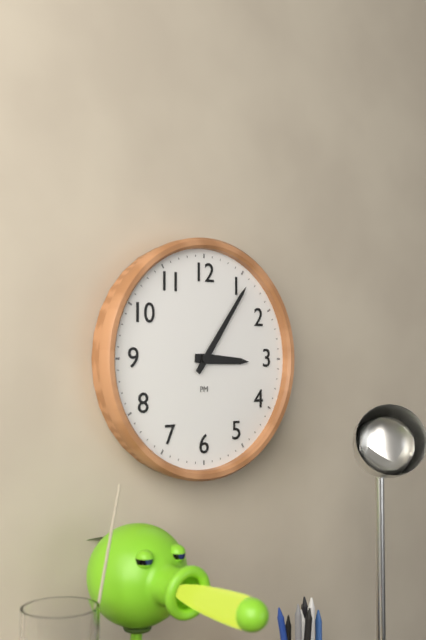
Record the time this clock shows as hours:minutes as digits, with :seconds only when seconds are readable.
3:06
